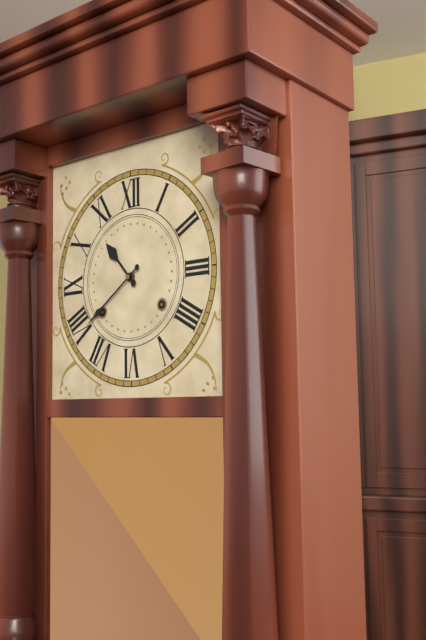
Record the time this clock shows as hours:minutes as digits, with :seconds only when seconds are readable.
10:39
